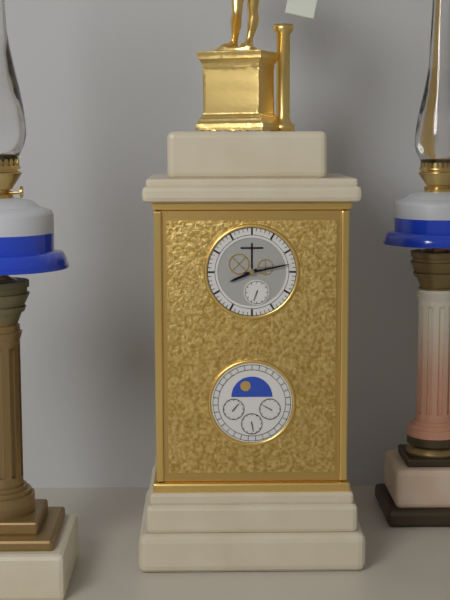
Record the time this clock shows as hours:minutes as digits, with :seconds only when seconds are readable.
8:13
